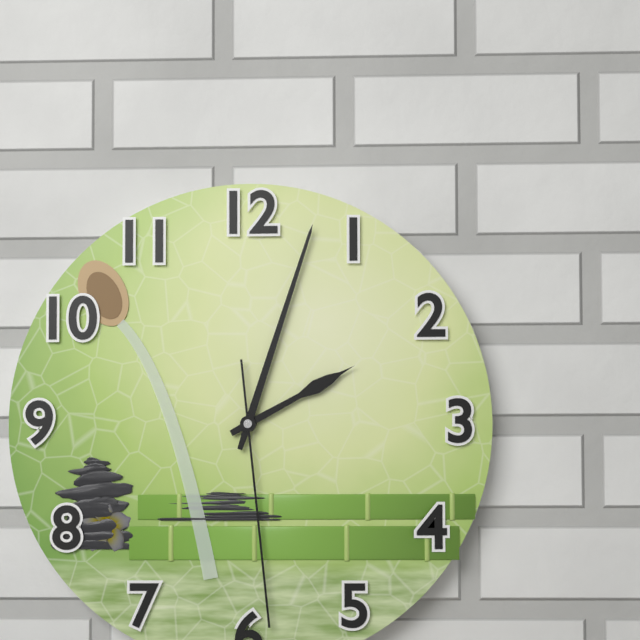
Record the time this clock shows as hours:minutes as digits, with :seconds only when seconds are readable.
2:03:29
